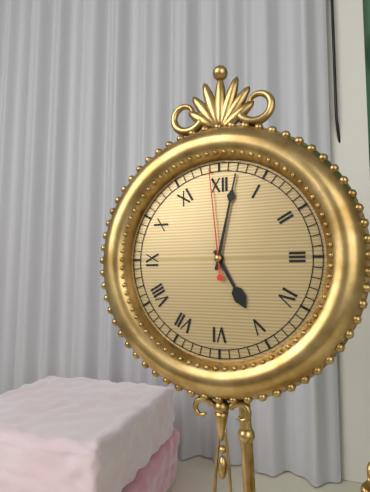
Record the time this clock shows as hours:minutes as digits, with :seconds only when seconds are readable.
5:02:59
